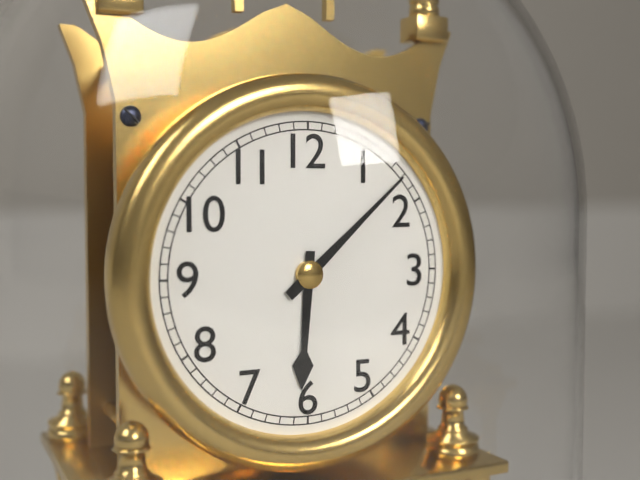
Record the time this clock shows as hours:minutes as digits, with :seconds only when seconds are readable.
6:08
